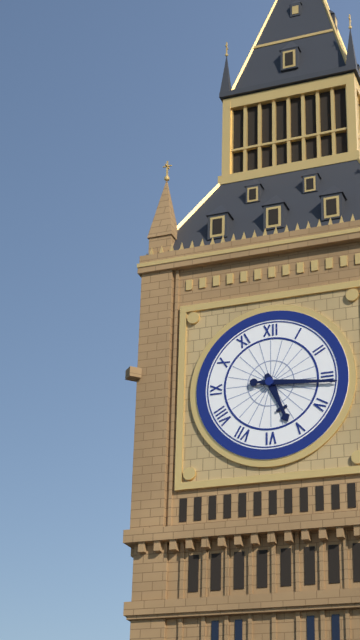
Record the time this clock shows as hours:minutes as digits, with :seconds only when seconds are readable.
5:16
